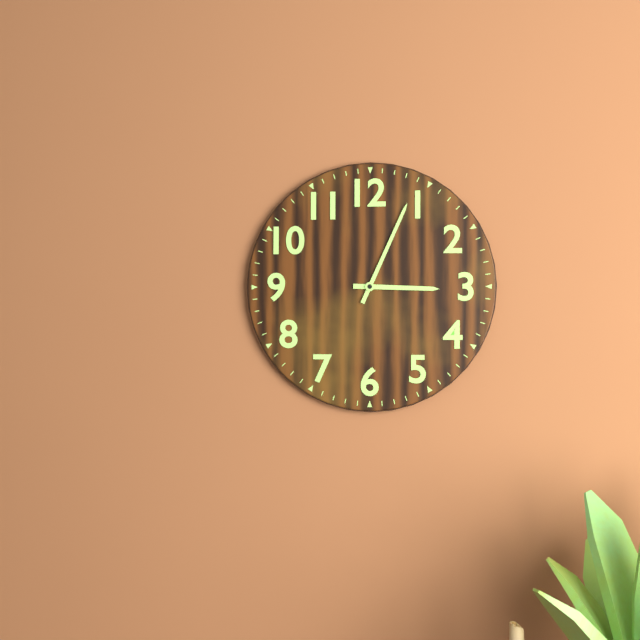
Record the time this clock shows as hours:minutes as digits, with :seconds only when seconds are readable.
3:04
